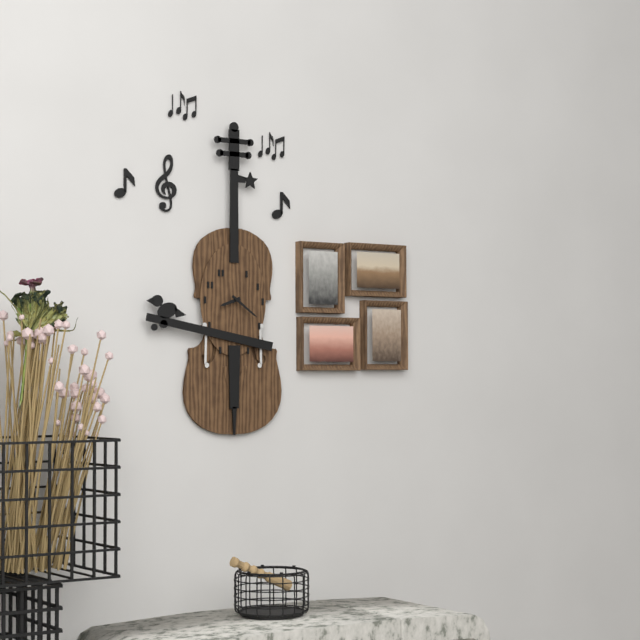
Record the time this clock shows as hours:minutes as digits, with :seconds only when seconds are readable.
8:21
